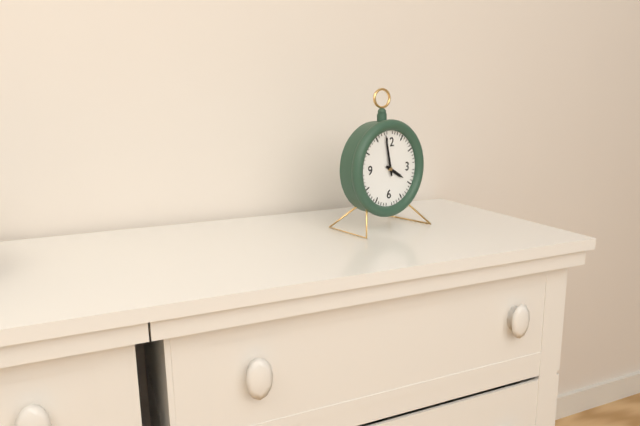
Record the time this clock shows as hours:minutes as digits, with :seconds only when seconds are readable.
3:58
